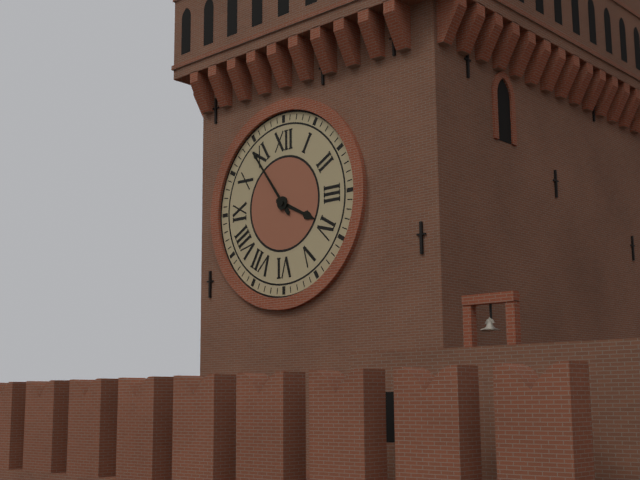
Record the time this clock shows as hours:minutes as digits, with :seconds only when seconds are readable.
3:54
